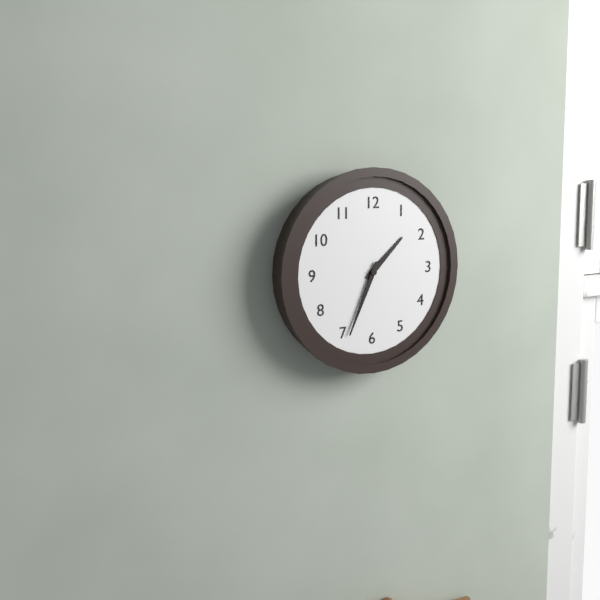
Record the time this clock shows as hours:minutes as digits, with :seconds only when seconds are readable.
1:34
